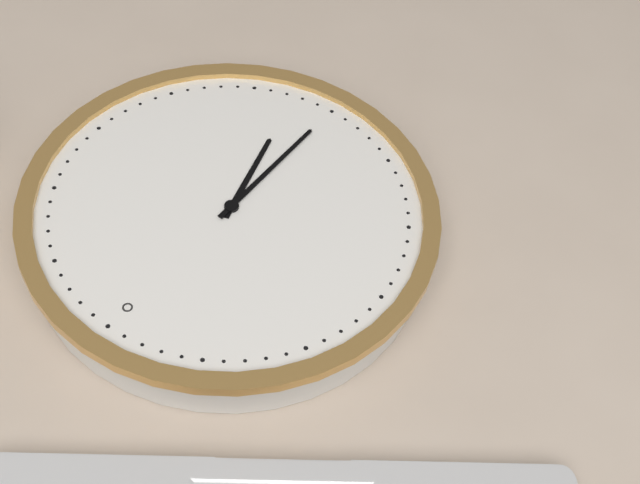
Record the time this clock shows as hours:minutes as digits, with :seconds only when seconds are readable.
5:30
